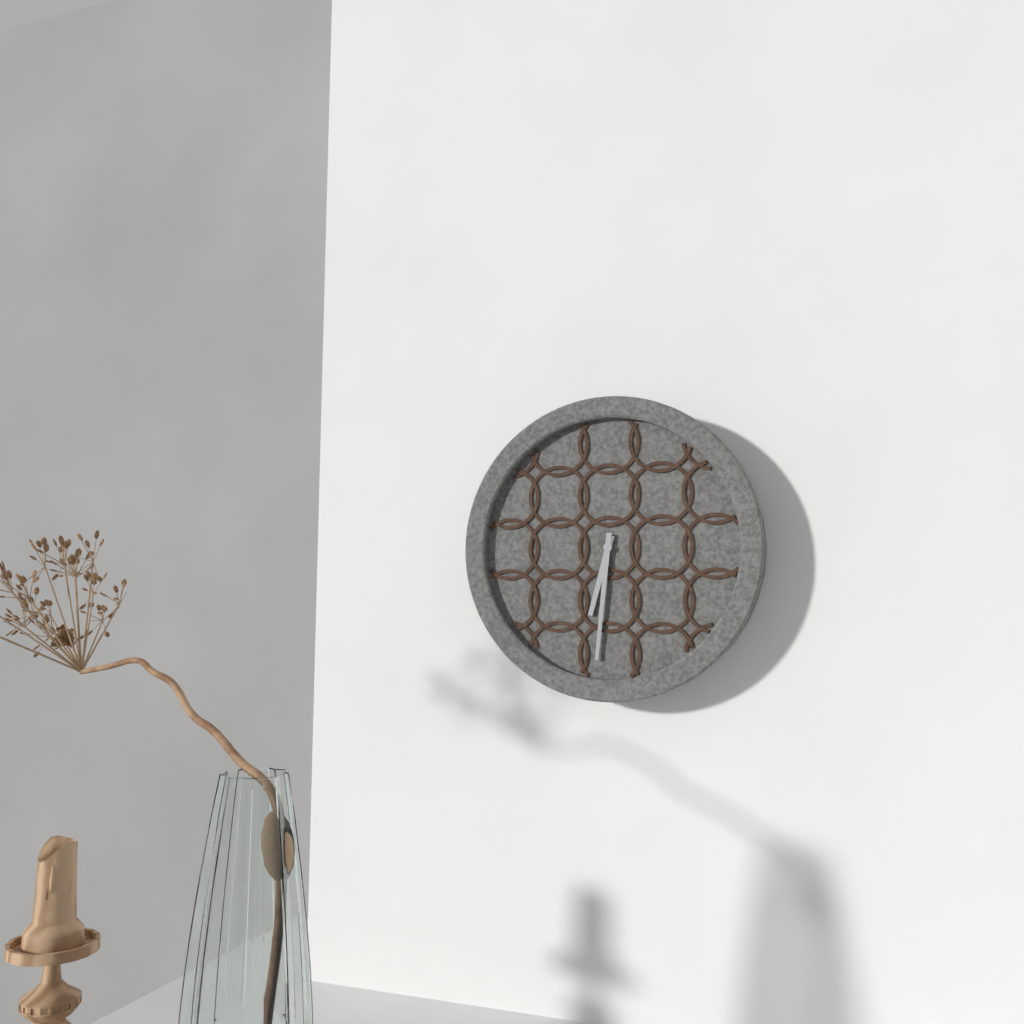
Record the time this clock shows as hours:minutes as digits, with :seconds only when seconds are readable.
6:31
